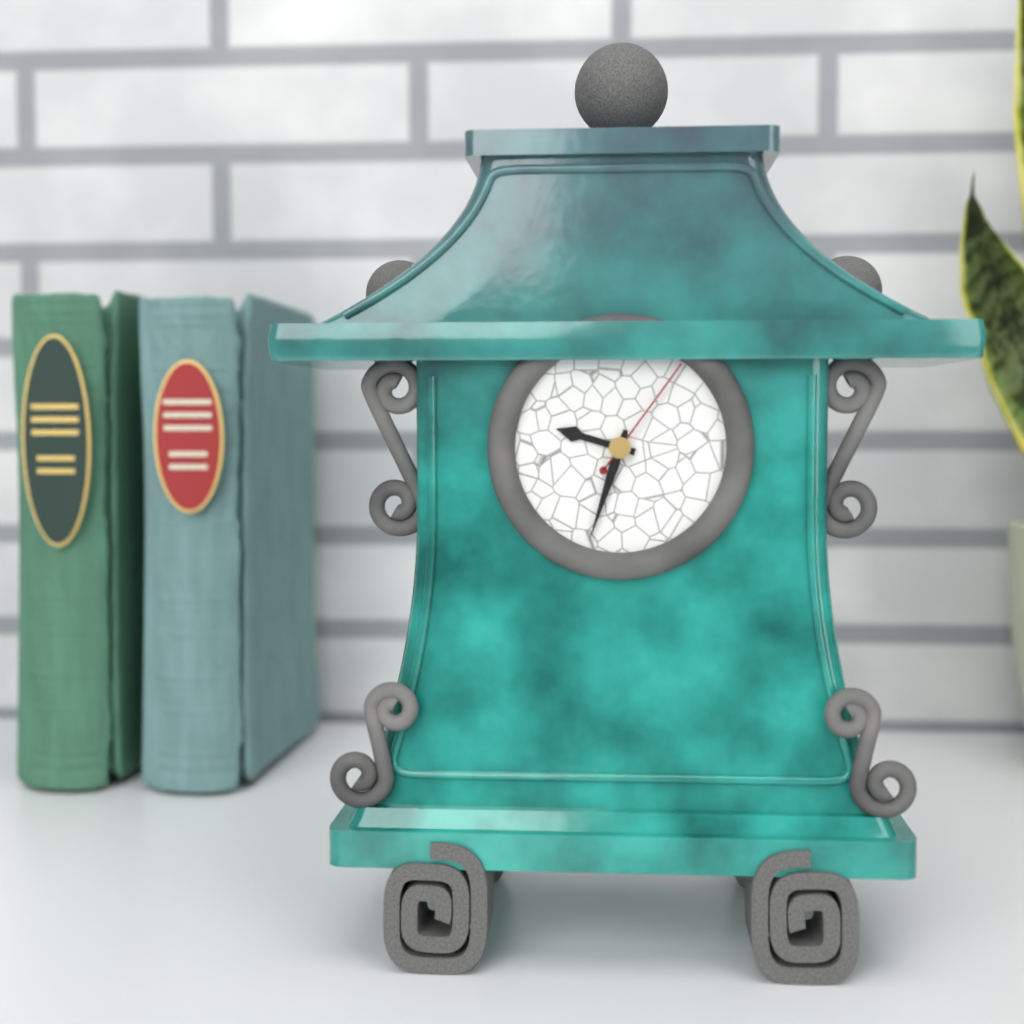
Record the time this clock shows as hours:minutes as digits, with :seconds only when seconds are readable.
9:33:06
